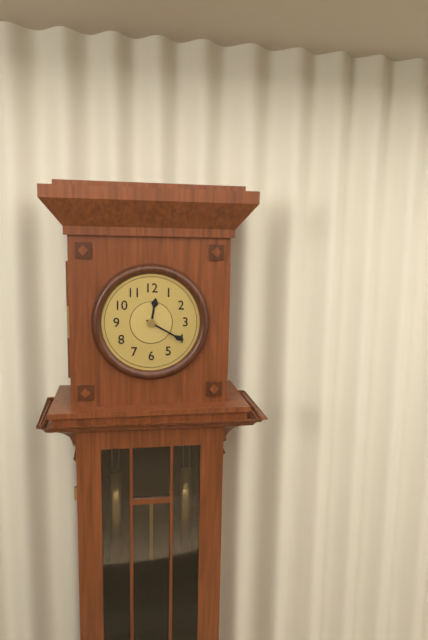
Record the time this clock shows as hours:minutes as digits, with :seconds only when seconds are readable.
12:20
